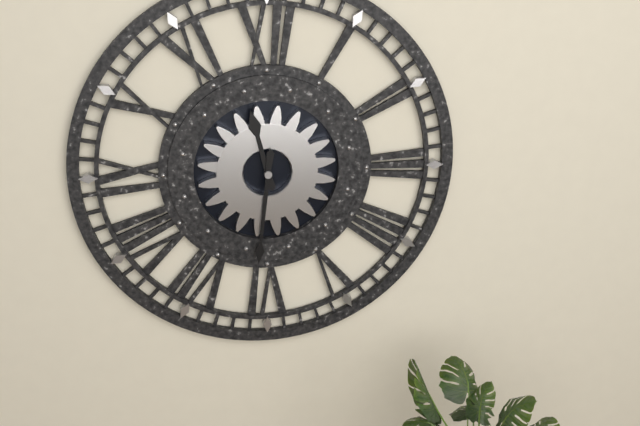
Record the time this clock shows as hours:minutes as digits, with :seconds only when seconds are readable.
11:31
